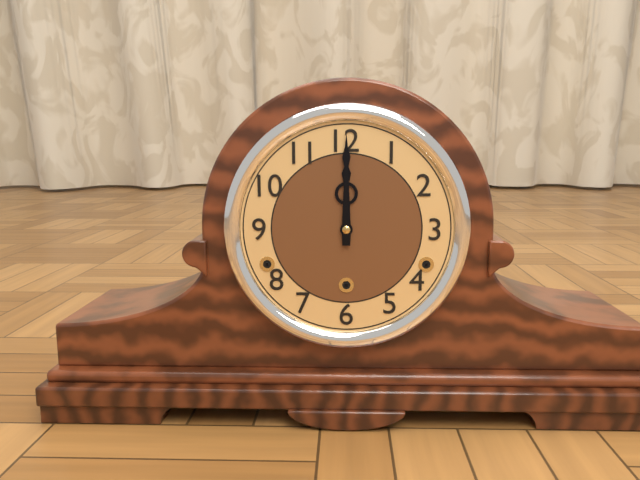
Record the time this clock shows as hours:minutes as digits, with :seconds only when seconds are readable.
12:00
